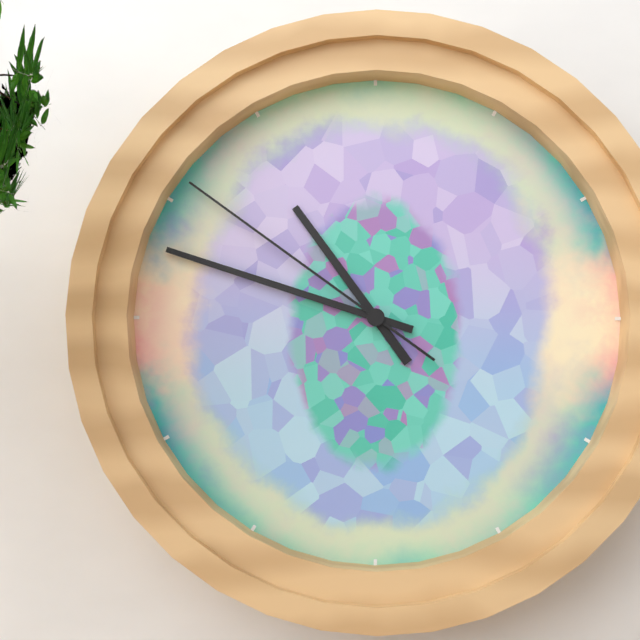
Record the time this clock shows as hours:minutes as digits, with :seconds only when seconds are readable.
10:48:51
